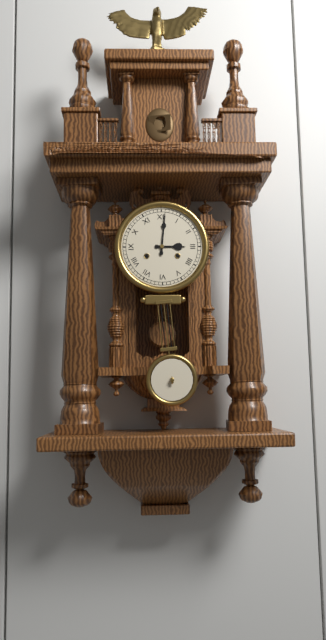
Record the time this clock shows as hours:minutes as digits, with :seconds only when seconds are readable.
3:01
